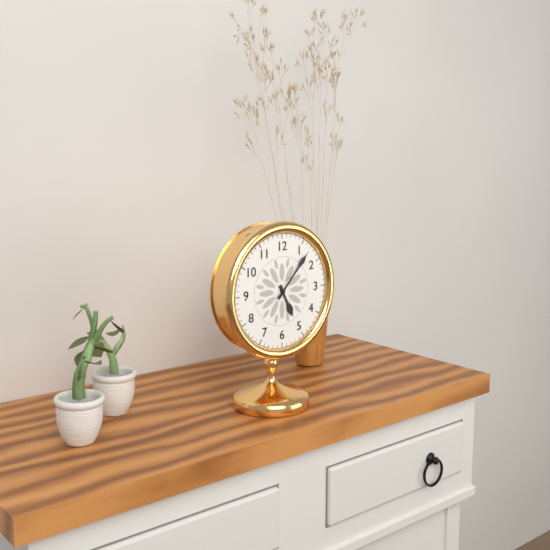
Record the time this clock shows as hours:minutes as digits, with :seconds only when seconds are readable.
5:07
